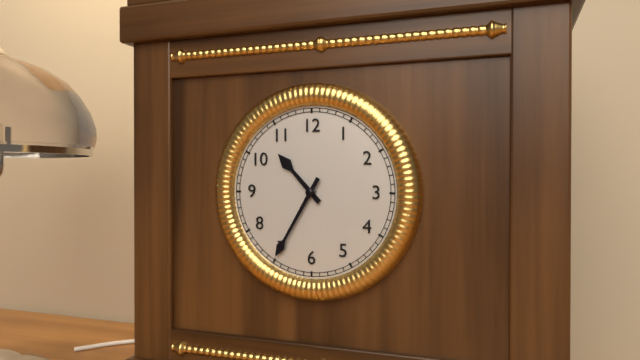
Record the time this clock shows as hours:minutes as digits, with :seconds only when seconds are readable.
10:35
